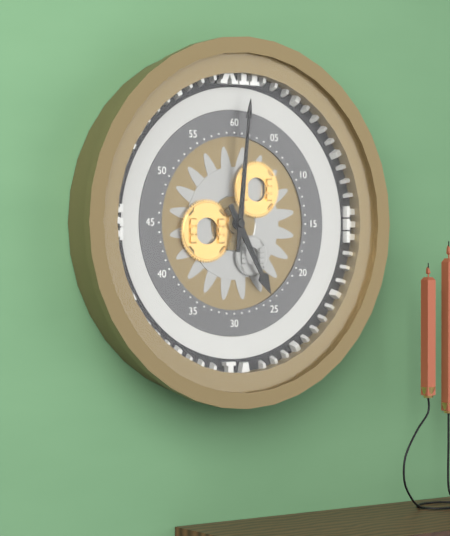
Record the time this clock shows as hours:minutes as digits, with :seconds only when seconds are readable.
5:01
